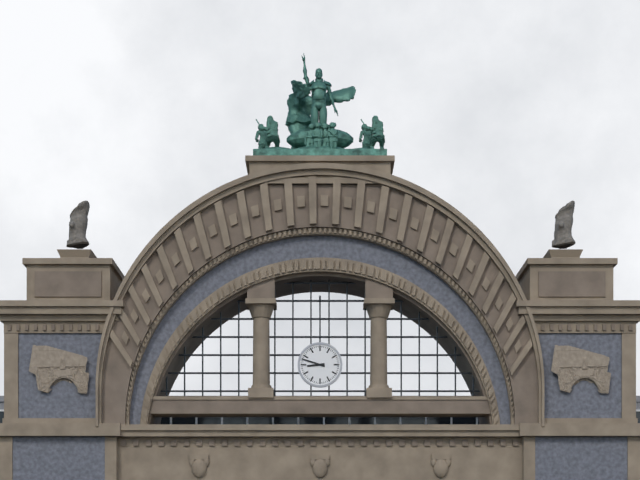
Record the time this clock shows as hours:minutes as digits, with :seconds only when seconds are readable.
8:48
